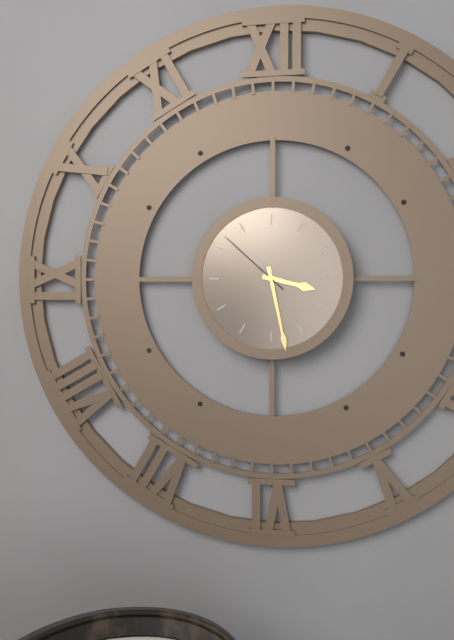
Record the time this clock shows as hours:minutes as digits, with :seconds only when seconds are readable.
3:28:52
